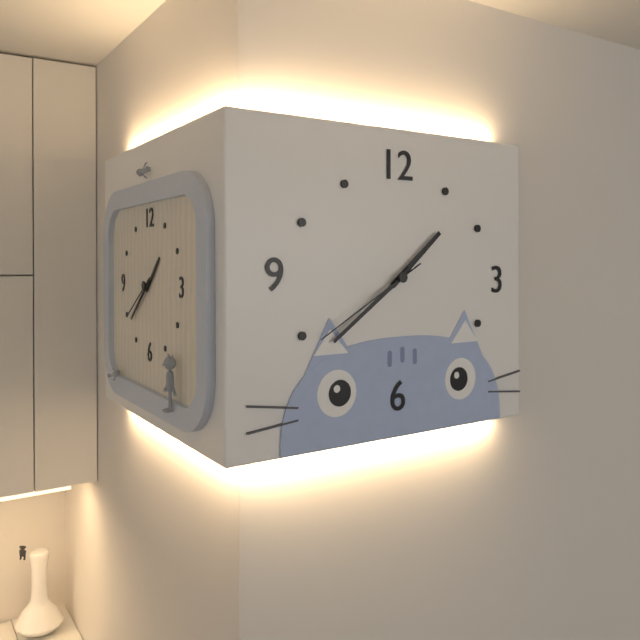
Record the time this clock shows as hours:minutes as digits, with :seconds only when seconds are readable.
1:39:40
